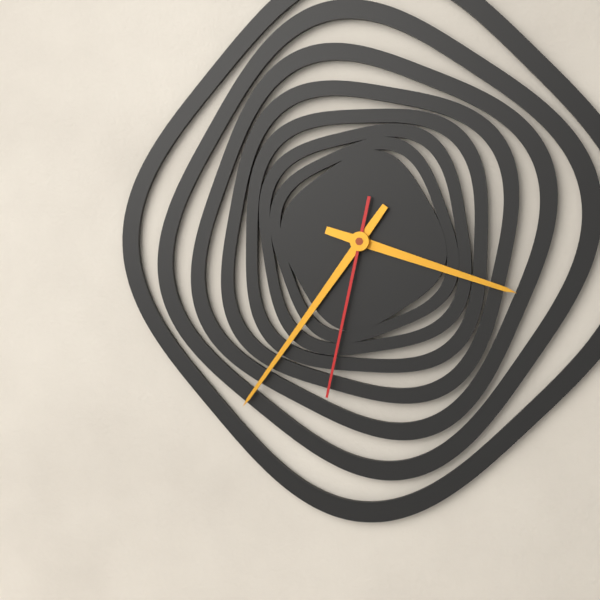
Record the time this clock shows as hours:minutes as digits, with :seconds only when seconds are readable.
3:36:32
